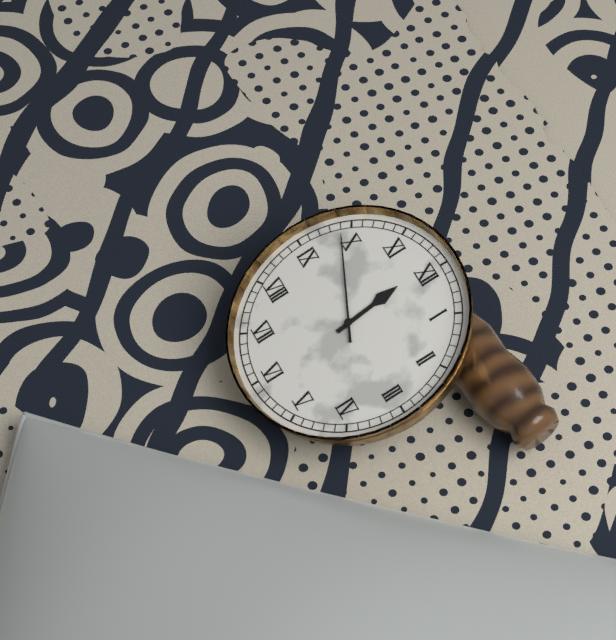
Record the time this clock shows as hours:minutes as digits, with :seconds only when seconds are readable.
11:49
